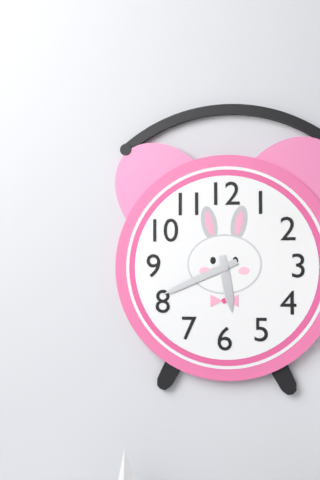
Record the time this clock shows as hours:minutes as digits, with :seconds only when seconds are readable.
5:41
